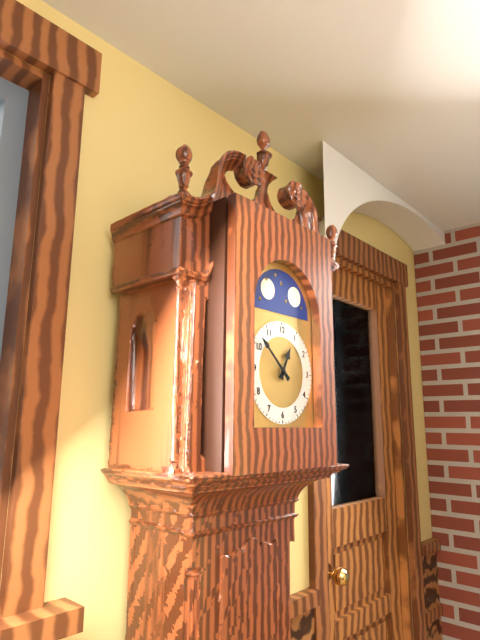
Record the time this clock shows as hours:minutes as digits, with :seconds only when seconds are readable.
12:52
